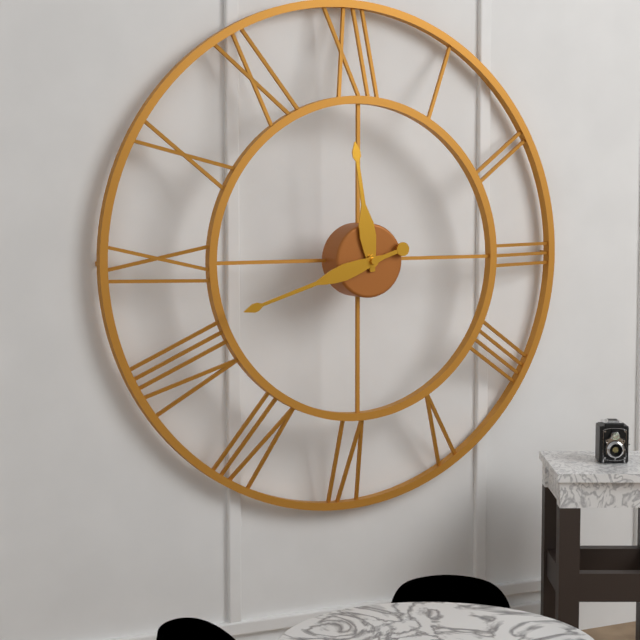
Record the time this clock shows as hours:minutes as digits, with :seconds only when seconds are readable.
11:42
